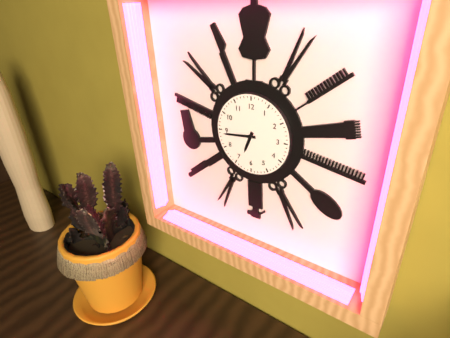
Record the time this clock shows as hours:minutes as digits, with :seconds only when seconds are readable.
6:44
